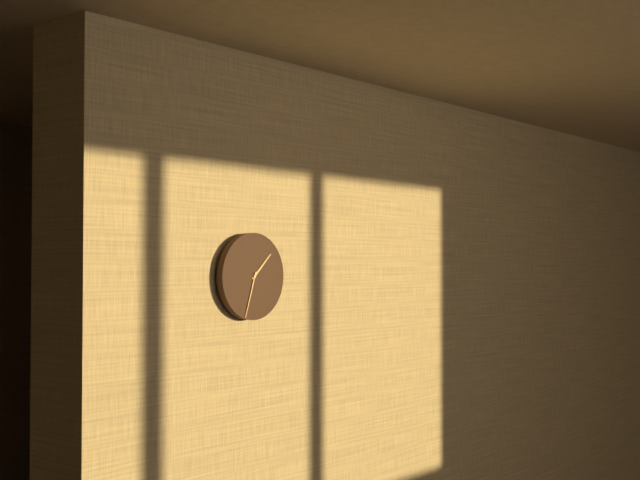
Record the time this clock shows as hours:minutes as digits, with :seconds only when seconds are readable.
1:33
